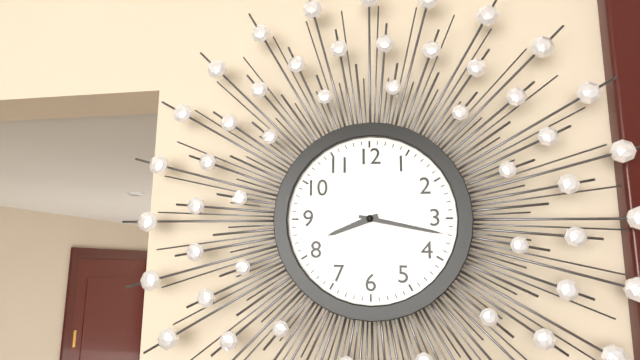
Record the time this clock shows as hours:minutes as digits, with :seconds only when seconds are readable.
8:17
